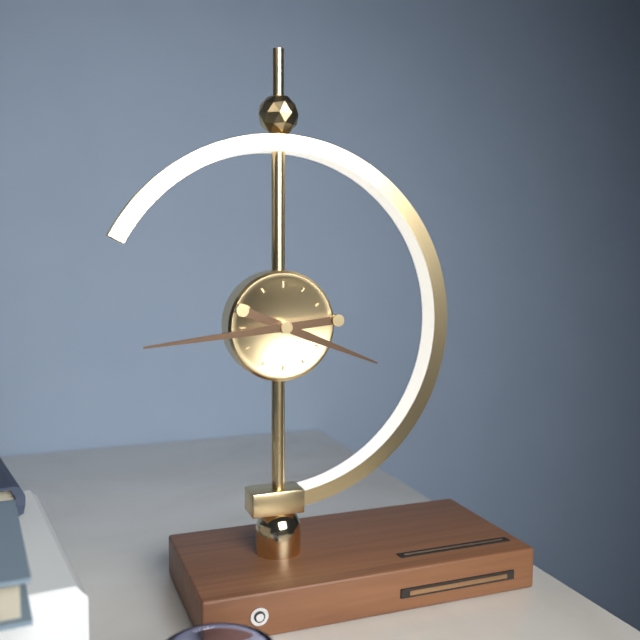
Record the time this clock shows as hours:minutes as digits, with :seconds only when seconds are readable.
3:44
